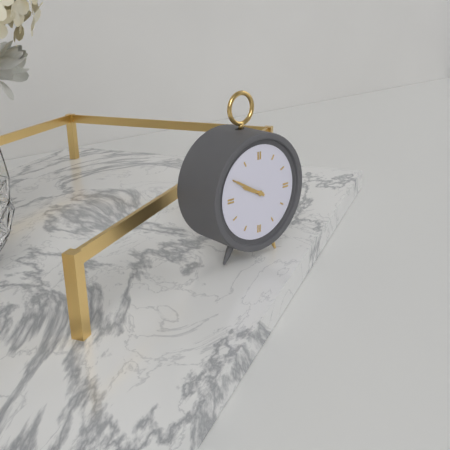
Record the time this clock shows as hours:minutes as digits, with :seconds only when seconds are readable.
9:50
